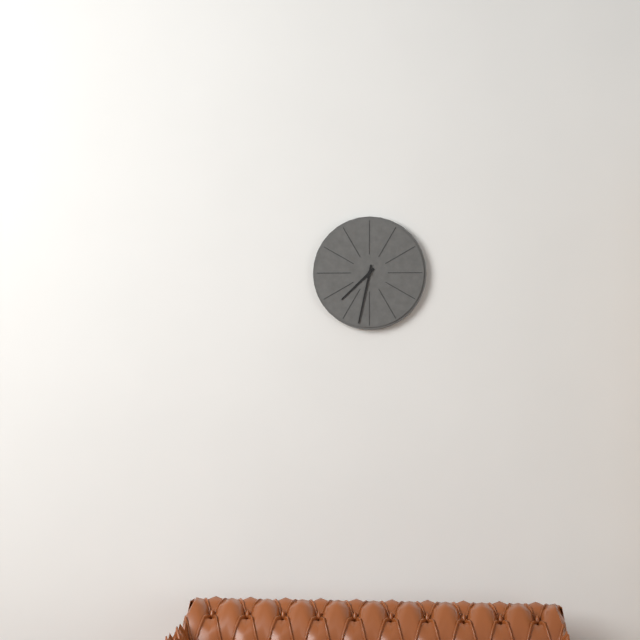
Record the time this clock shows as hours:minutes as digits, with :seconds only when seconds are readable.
7:32
